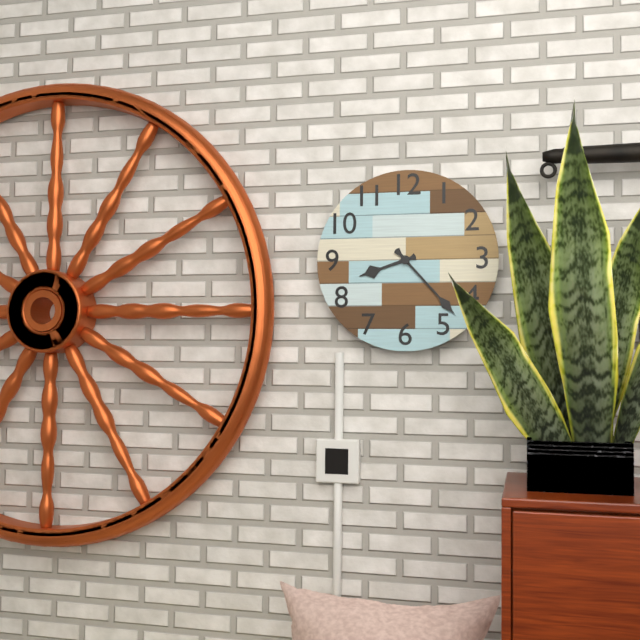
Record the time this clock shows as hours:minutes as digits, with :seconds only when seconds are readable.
8:23
